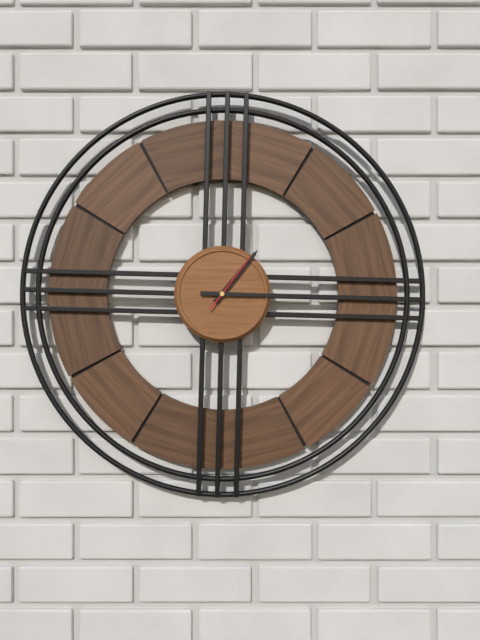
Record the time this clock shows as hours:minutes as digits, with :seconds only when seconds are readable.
1:15:06
